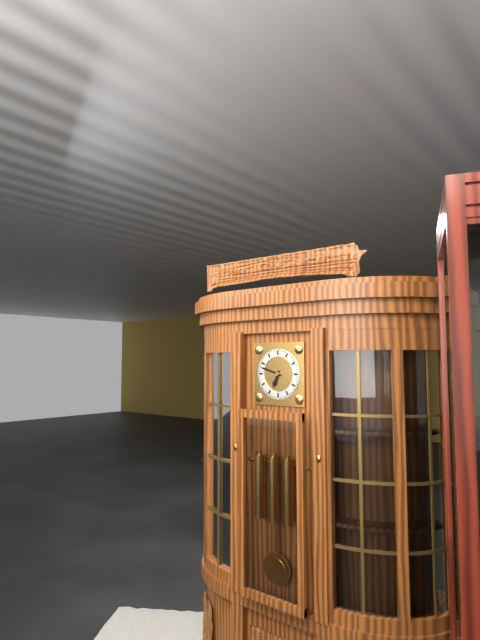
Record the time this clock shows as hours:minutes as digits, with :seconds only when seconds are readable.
6:48
